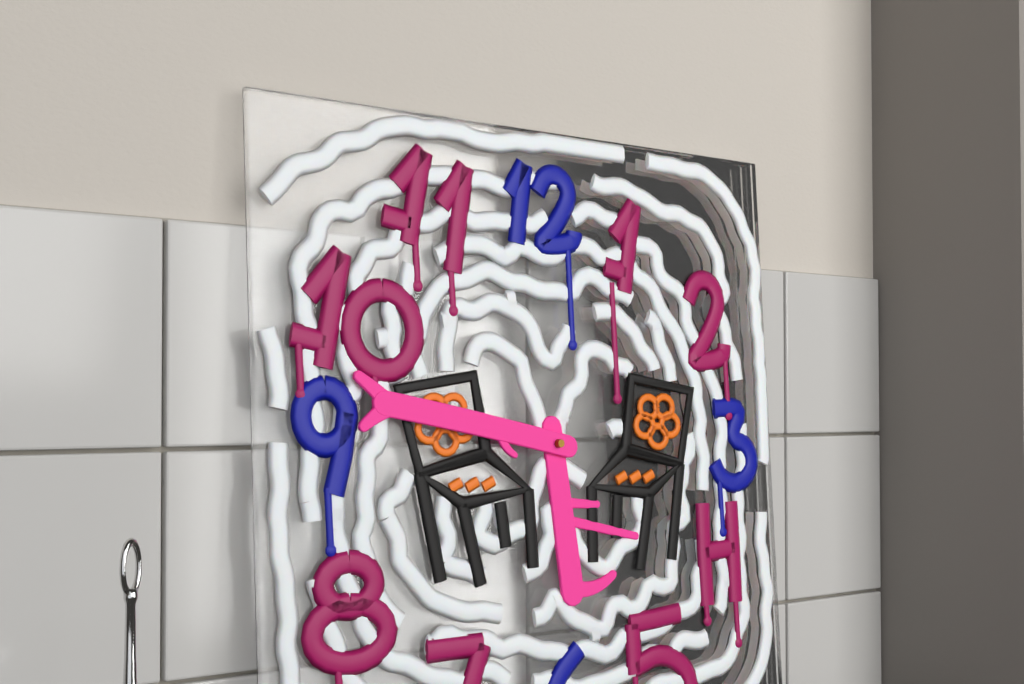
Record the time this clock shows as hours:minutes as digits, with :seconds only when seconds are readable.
5:47
